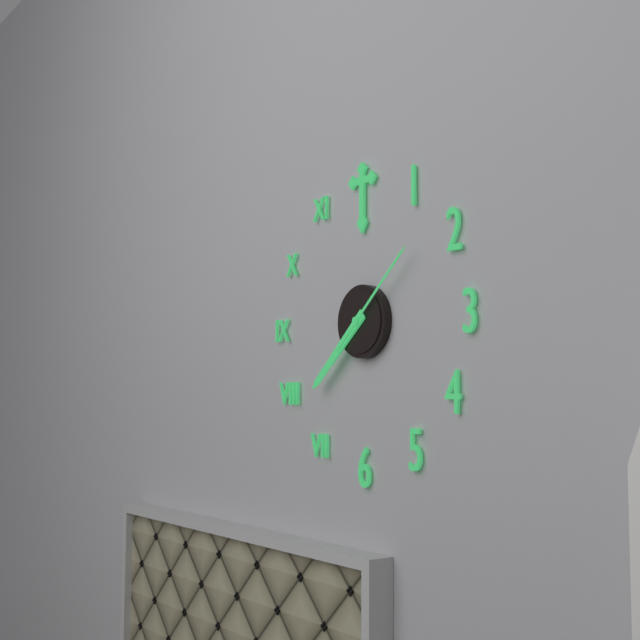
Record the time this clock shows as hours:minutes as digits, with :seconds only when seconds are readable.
7:38:08
